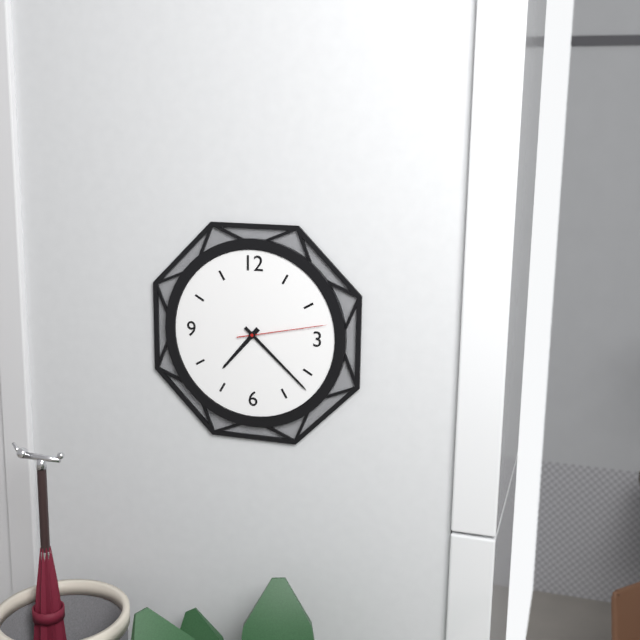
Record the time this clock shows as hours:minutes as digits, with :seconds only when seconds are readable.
7:22:13
